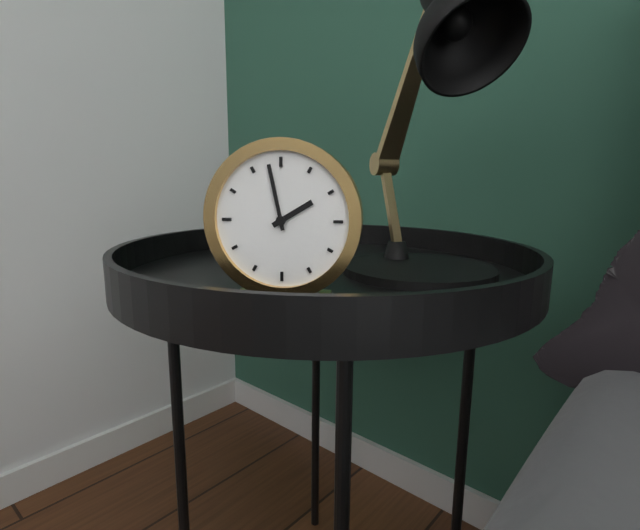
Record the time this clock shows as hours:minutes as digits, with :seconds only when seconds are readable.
1:58
